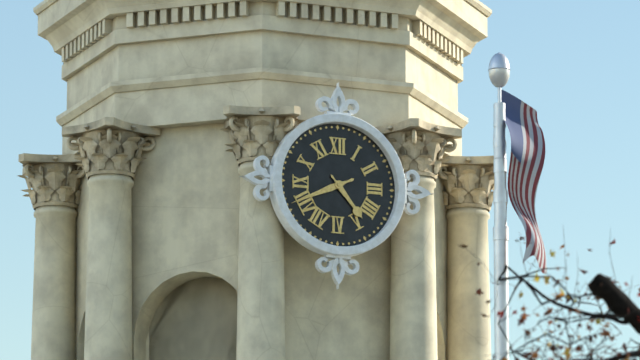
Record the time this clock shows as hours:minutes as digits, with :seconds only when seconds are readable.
4:41
